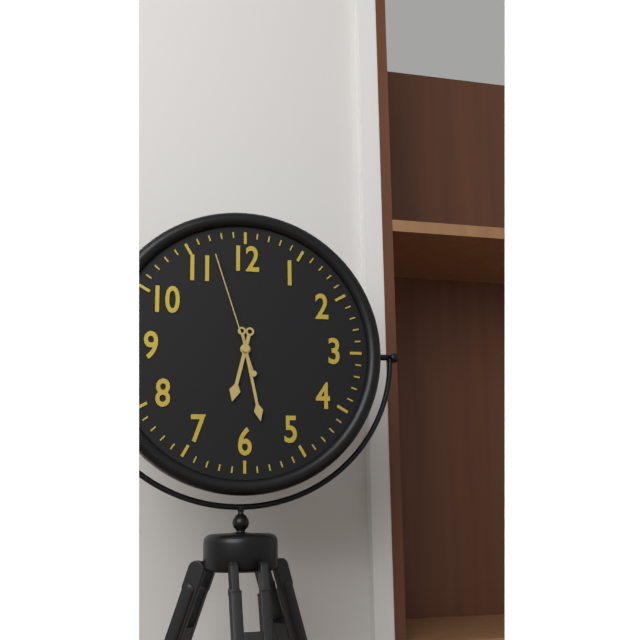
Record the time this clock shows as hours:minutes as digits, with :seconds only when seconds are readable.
6:28:57
